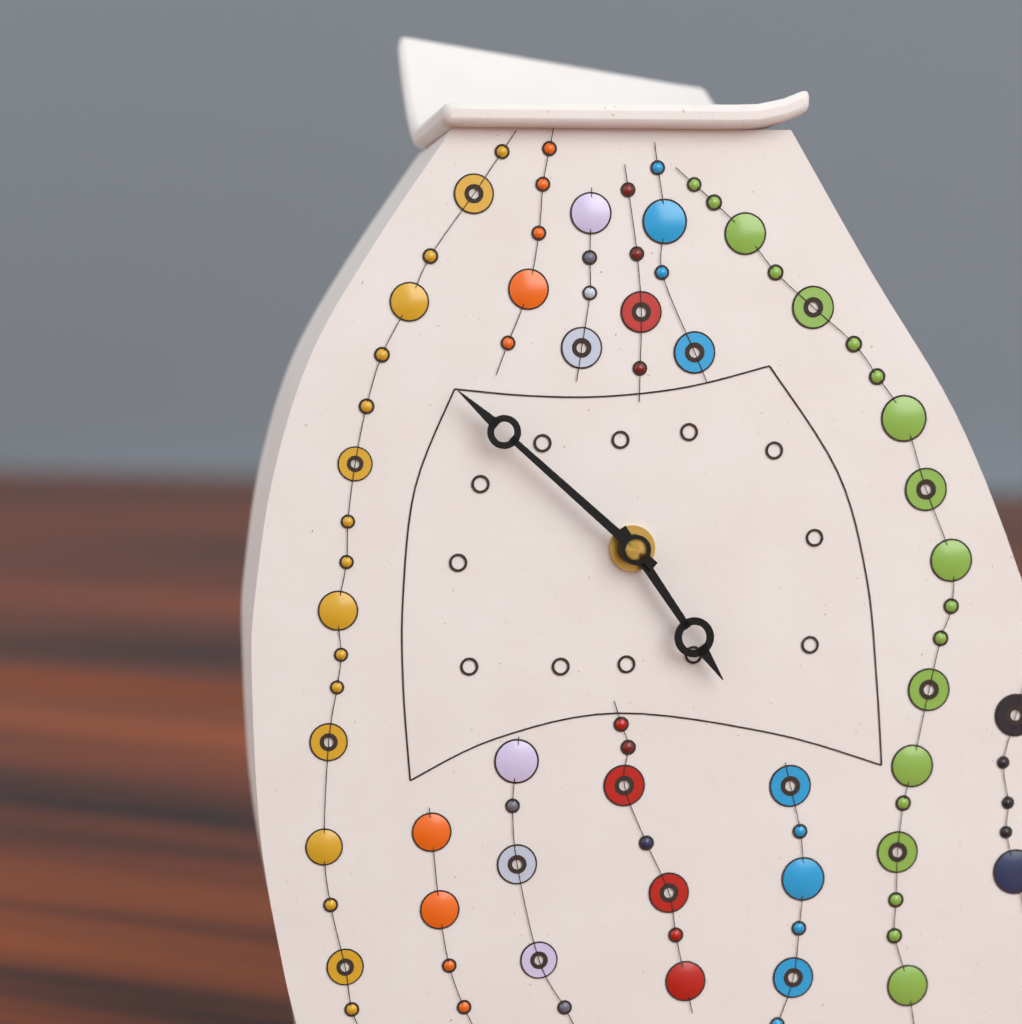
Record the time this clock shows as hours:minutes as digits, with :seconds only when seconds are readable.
4:52
